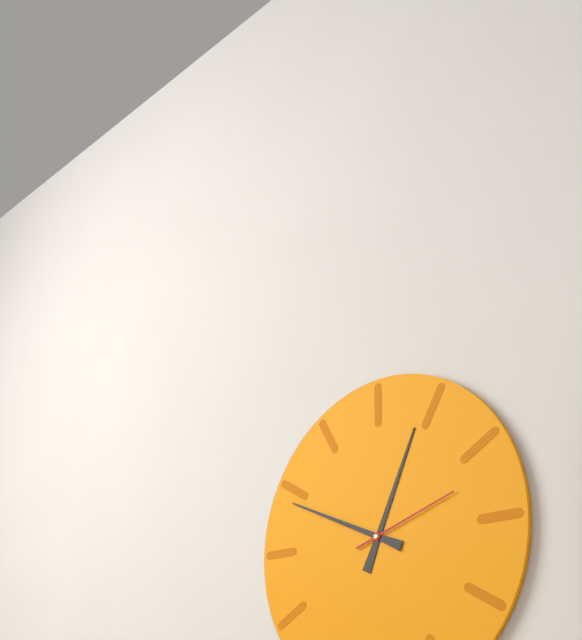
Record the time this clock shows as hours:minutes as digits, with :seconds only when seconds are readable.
12:49:12
